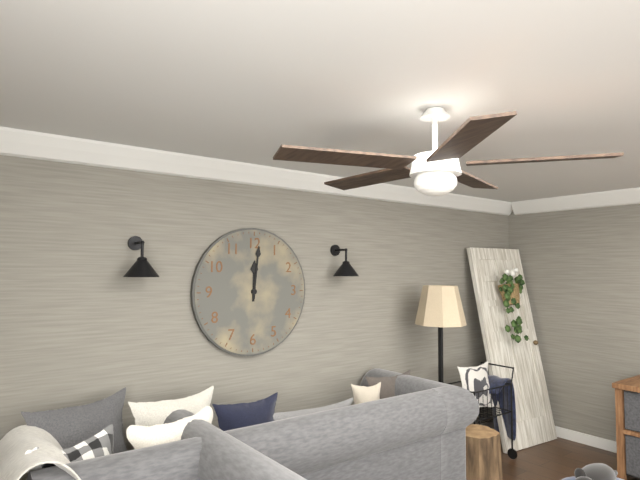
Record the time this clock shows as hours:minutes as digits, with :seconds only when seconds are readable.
12:01
